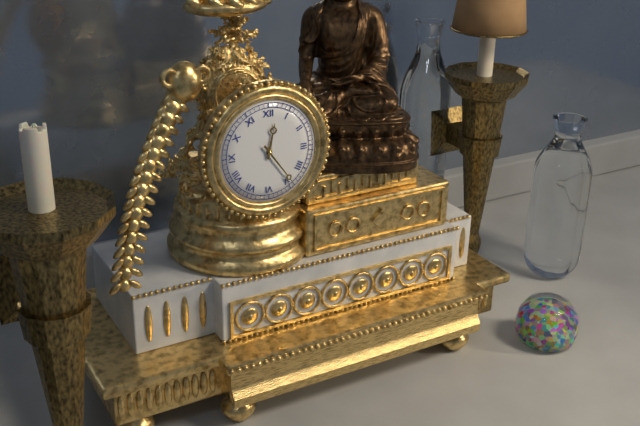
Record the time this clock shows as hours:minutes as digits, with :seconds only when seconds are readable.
12:24
